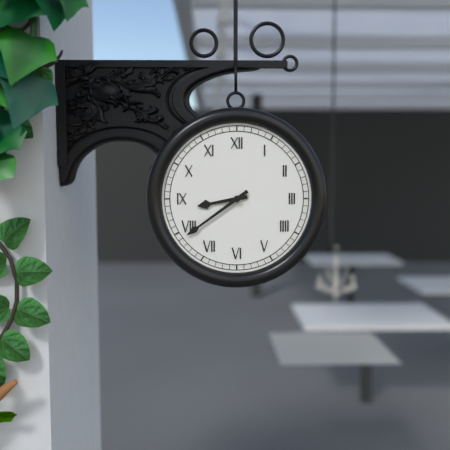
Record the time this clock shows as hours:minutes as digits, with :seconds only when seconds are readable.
8:39
